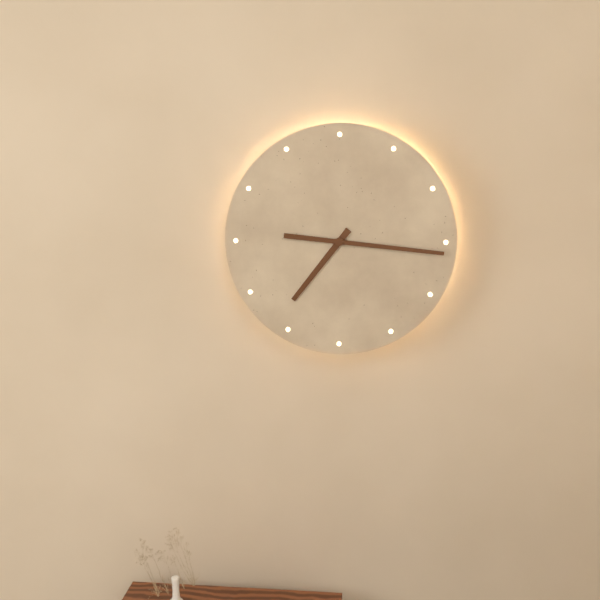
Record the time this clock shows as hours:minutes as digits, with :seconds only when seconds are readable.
7:16
